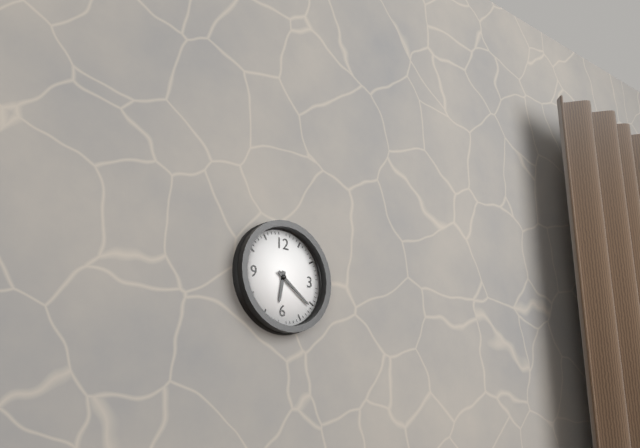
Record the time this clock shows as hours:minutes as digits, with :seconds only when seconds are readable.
6:21
